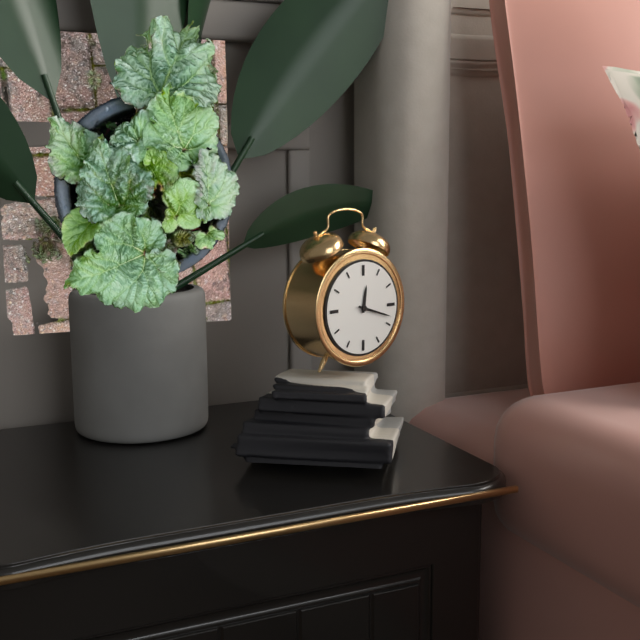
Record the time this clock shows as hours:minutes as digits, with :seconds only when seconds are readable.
12:18
